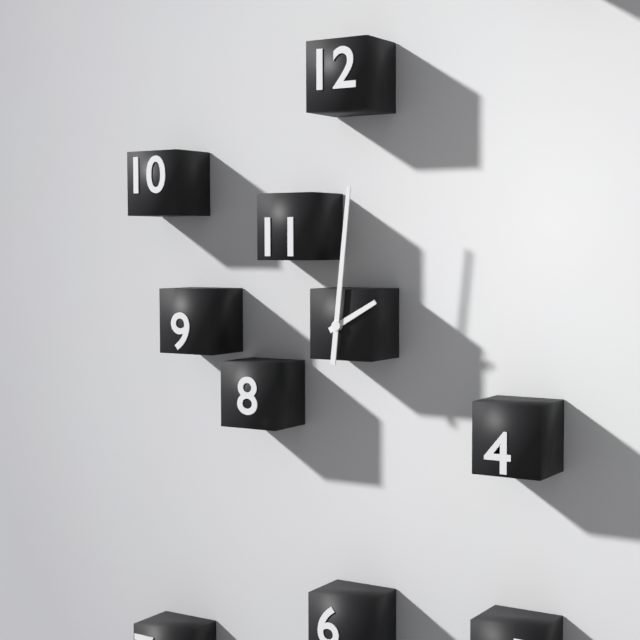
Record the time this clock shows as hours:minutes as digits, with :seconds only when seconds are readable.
2:01
